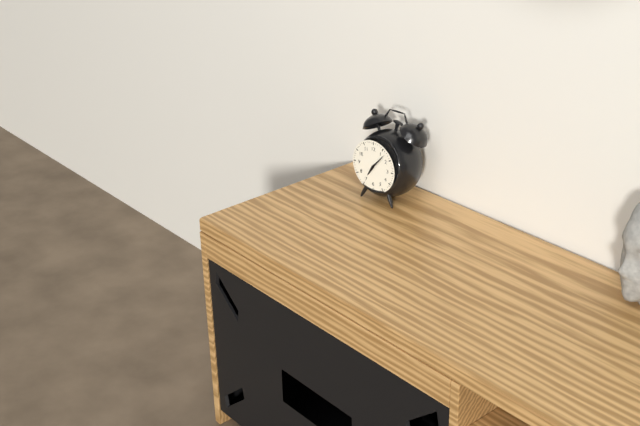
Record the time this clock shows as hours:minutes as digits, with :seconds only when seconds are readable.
7:07
